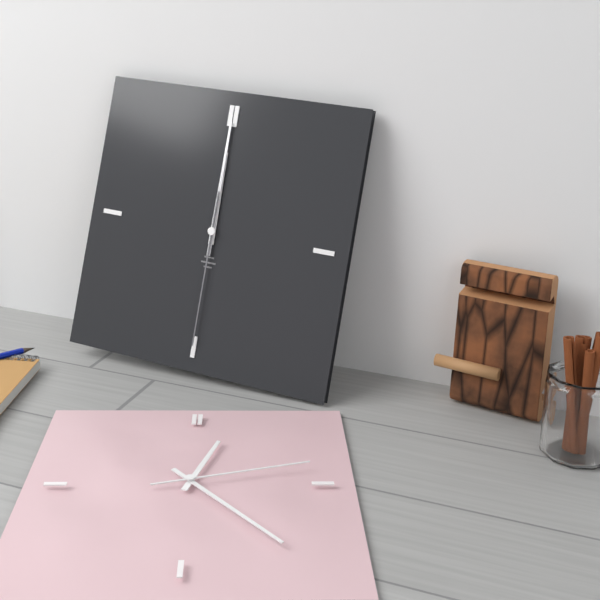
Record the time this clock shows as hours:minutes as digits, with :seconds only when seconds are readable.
12:00:30
